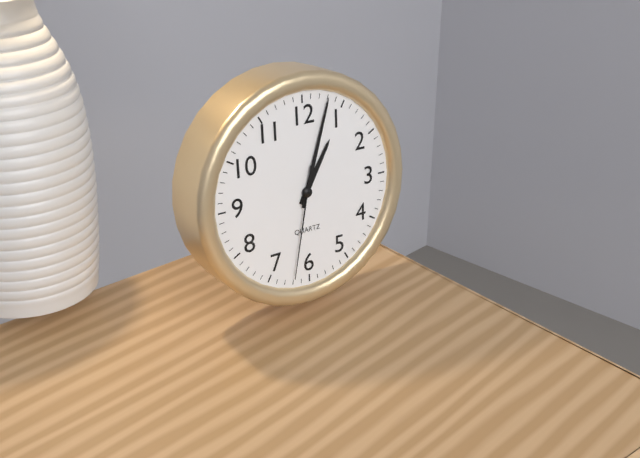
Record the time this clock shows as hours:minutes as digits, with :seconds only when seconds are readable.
1:03:32
